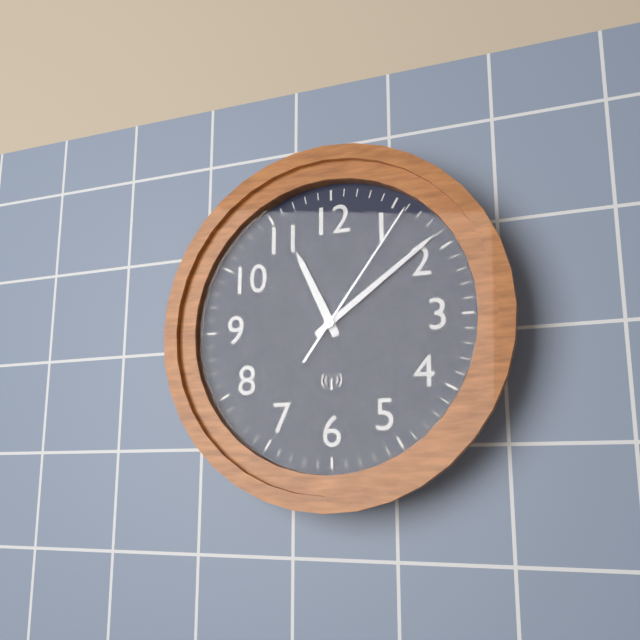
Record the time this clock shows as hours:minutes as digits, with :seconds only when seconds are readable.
11:09:06
